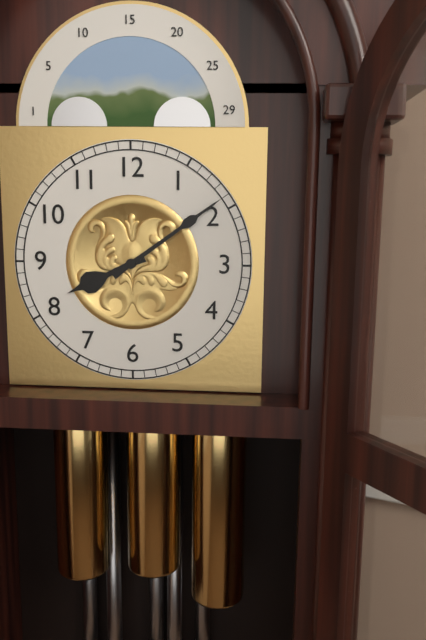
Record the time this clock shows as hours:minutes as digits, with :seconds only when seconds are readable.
8:09
